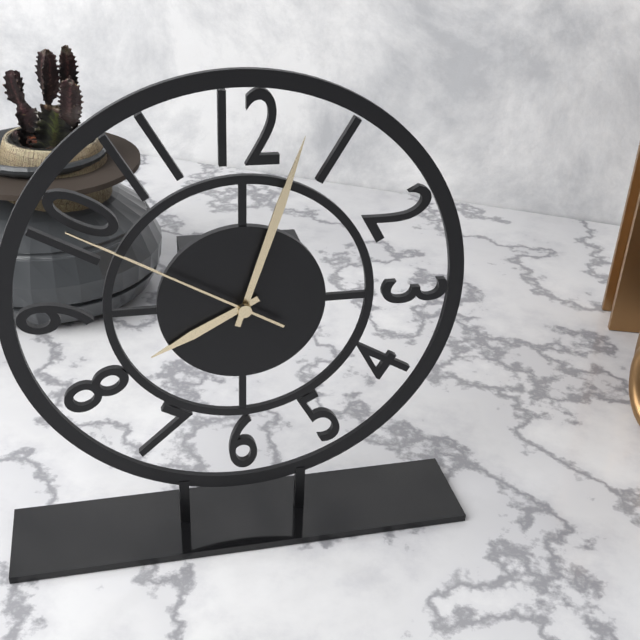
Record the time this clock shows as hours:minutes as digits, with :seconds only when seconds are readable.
8:03:50
